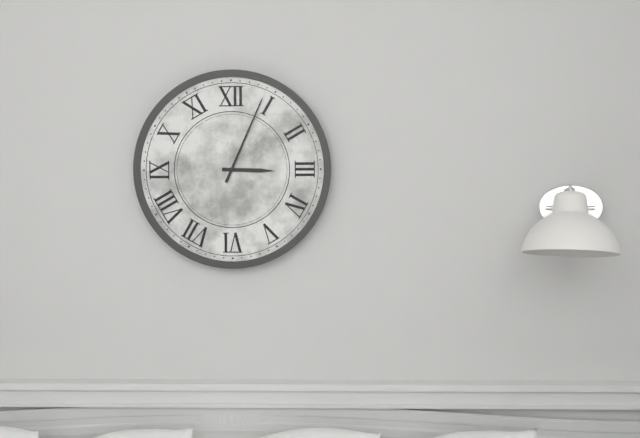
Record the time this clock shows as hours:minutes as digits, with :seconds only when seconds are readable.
3:04
